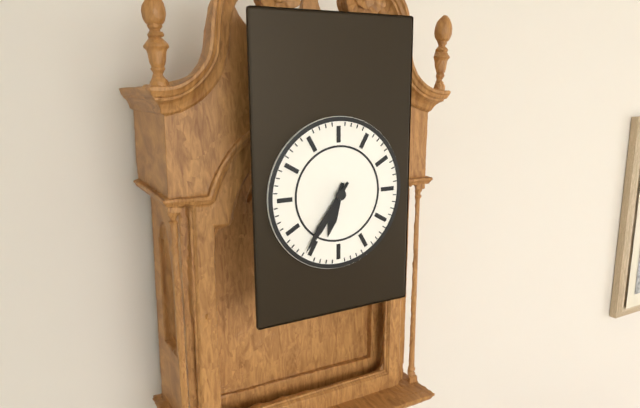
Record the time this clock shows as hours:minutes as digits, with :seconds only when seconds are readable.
6:36
